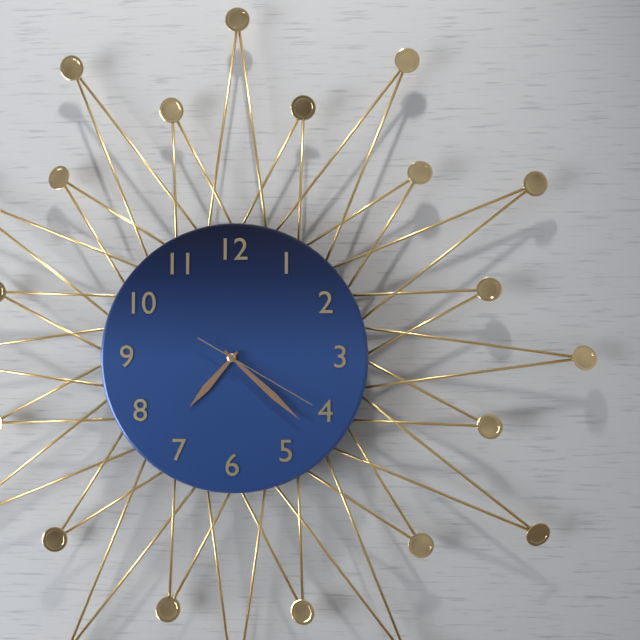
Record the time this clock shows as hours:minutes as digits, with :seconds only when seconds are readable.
7:22:20
